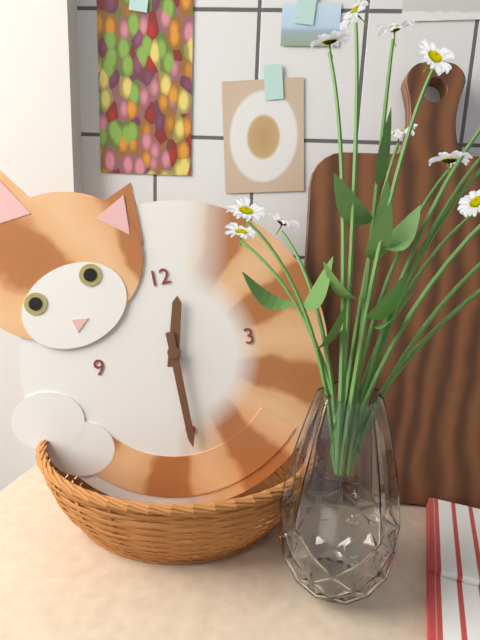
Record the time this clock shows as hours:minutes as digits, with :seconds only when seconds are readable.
12:30
